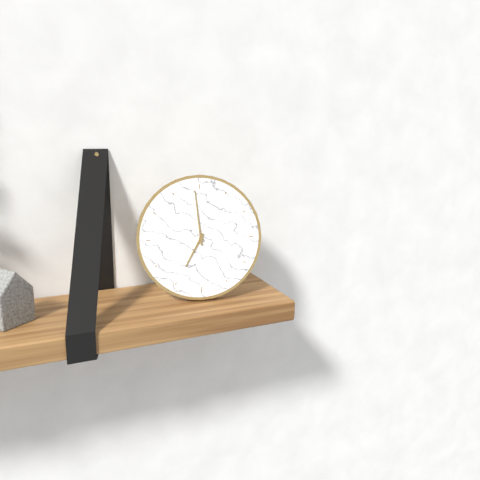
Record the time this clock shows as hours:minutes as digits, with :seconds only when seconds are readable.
6:59
